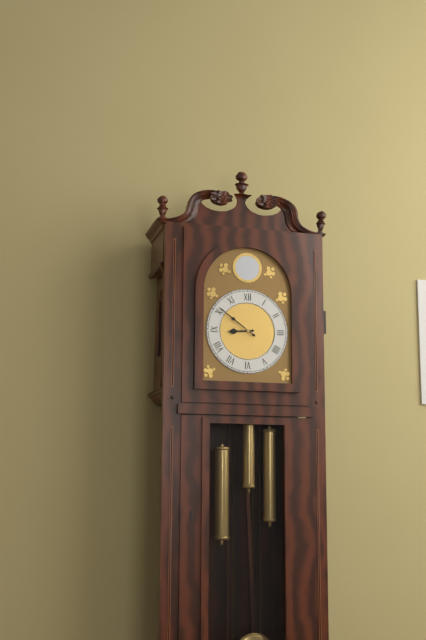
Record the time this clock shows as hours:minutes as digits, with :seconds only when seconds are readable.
8:51
